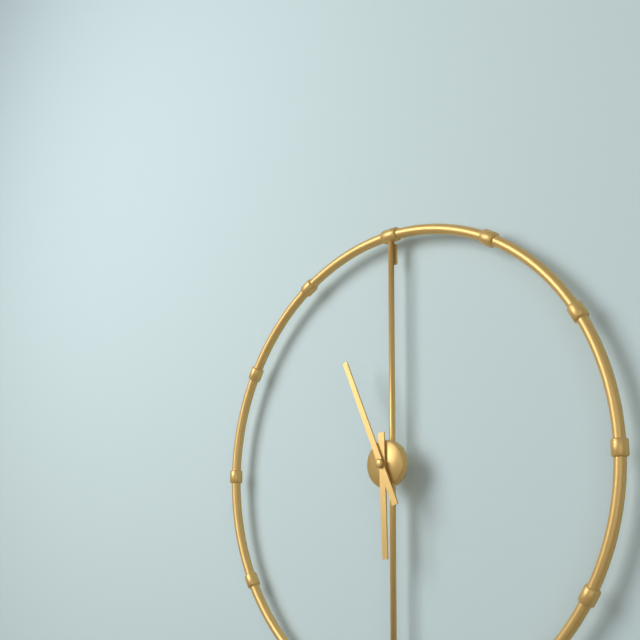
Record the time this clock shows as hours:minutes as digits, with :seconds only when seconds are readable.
5:56
